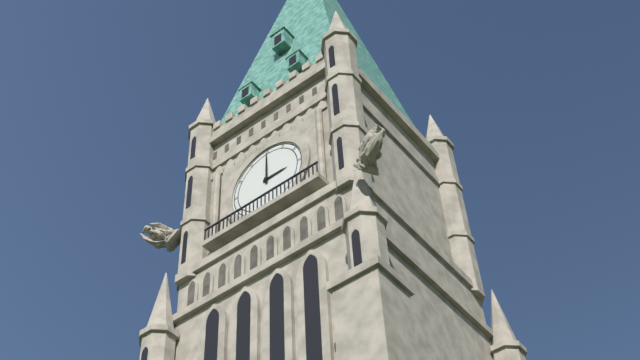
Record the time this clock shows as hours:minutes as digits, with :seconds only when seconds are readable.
3:00
